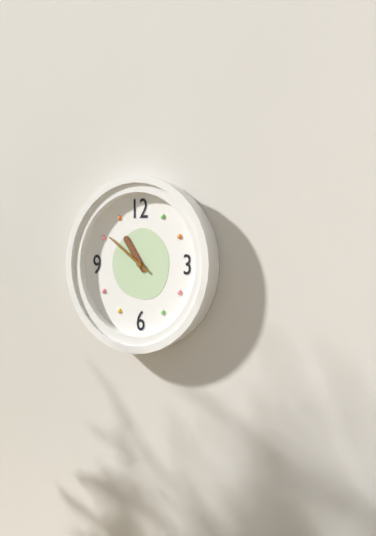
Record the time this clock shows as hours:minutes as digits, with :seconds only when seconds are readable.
10:51
